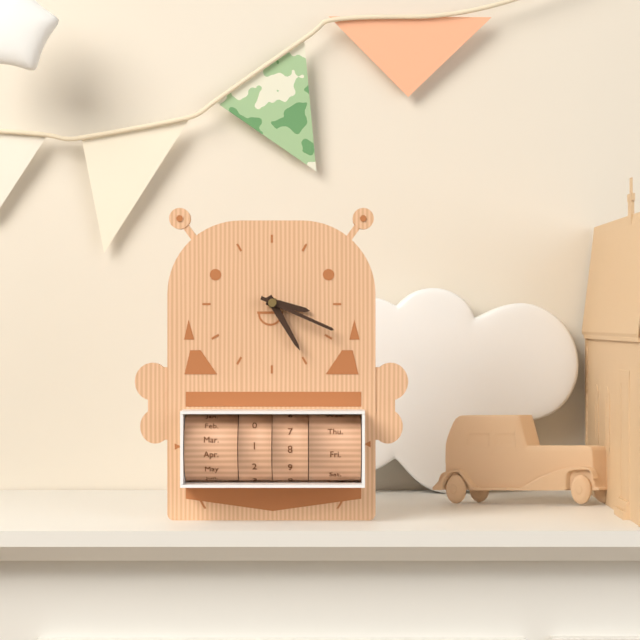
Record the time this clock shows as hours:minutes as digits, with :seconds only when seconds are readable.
3:25:19
